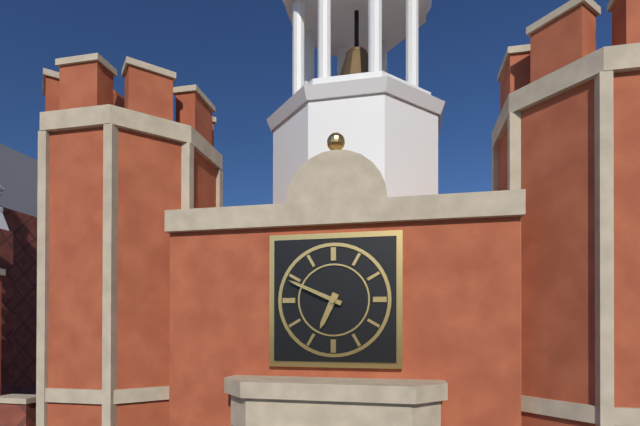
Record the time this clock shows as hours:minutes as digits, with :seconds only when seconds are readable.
6:49
